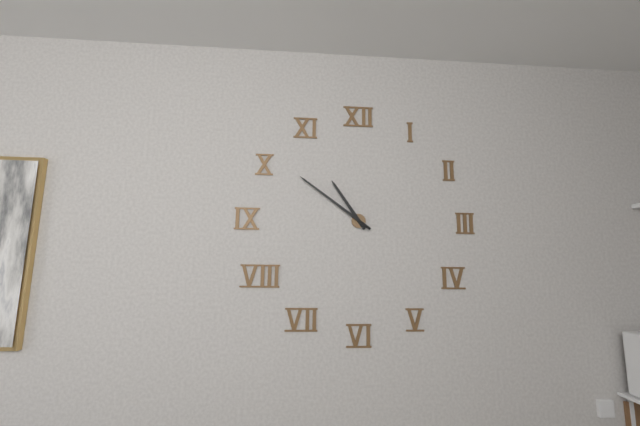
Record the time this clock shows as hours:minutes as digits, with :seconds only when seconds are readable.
10:51
